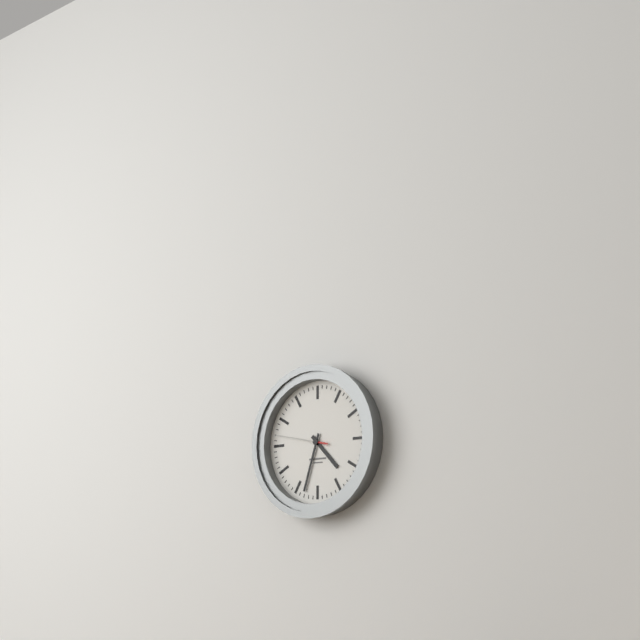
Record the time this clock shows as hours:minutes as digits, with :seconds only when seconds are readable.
4:33:47
